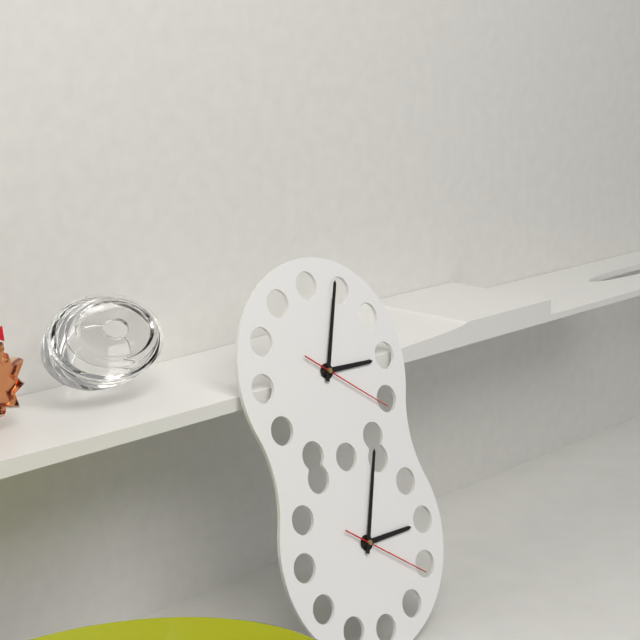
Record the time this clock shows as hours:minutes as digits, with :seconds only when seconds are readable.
3:04:21
